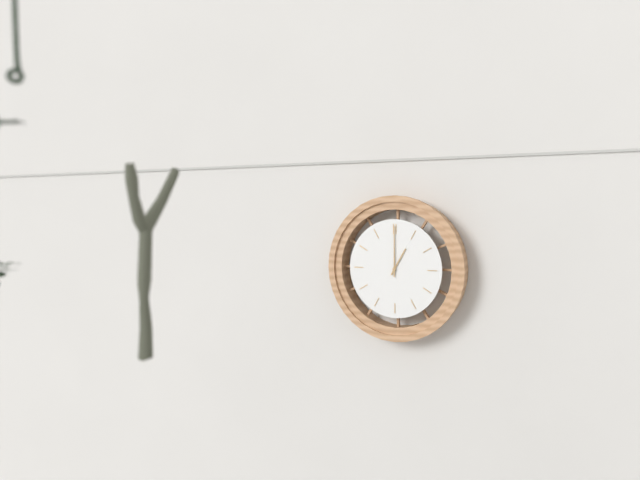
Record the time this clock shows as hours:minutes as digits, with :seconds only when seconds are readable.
1:00
